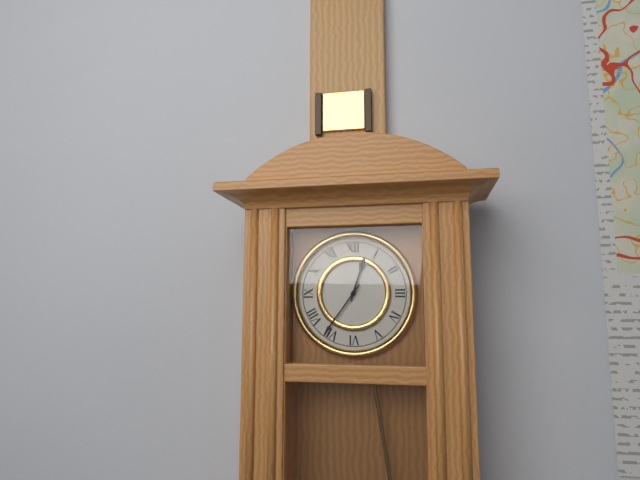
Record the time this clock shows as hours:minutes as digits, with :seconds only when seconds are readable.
12:36
